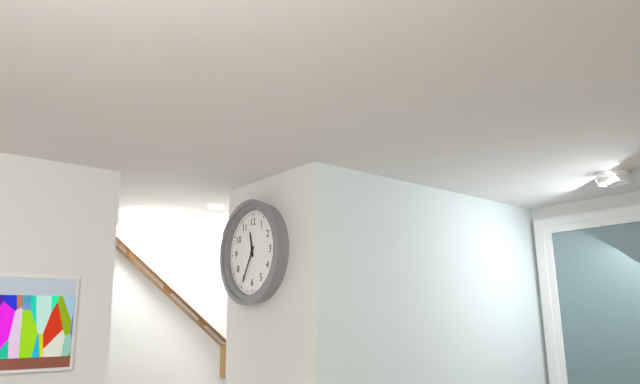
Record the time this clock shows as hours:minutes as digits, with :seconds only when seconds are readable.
11:35
